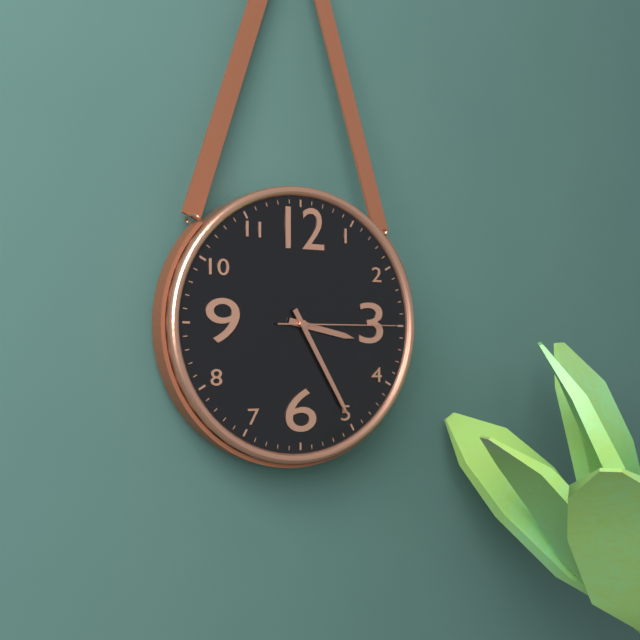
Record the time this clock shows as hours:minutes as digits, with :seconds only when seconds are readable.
3:25:15
